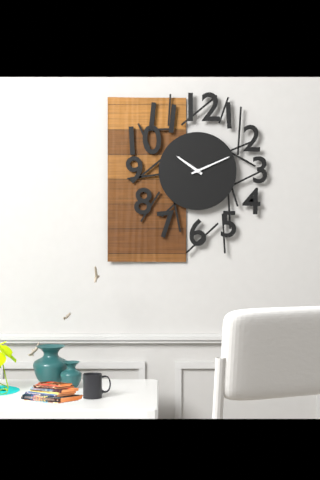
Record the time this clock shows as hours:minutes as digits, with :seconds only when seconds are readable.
10:11
